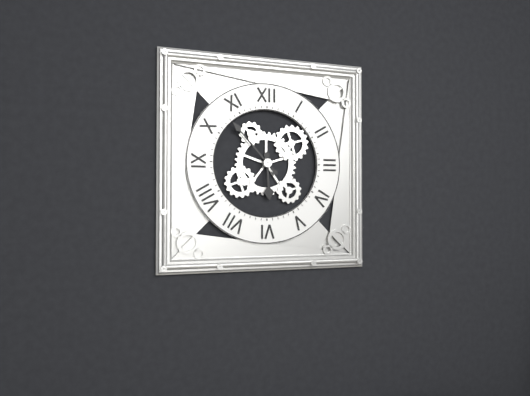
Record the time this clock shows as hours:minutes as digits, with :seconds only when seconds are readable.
5:53
